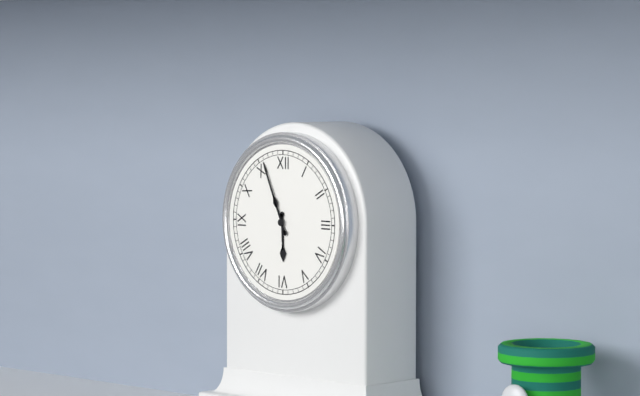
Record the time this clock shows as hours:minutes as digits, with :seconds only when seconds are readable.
5:56
